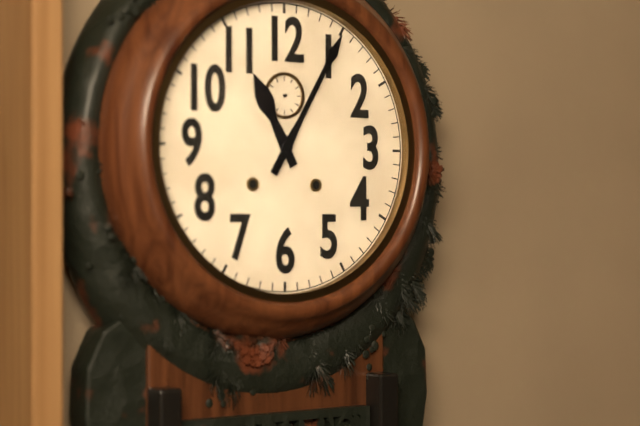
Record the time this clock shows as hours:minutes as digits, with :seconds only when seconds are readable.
11:05
